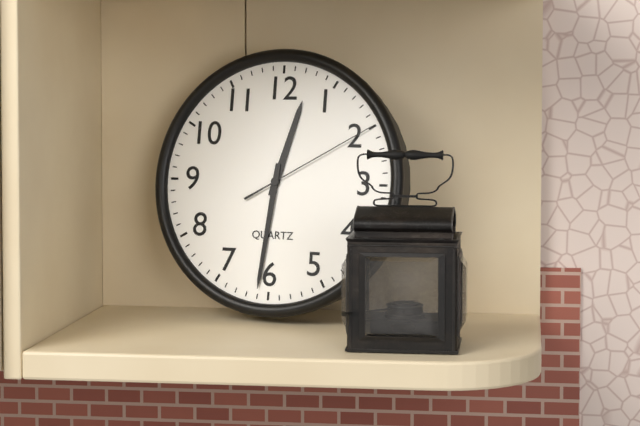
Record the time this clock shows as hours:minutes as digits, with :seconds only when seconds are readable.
12:31:10
